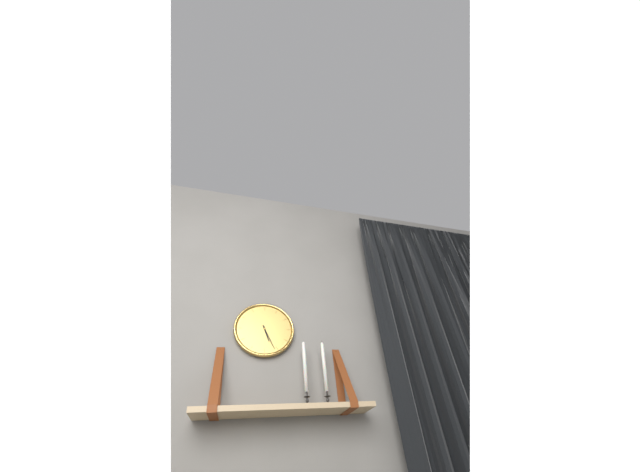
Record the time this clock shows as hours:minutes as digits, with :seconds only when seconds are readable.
5:26
